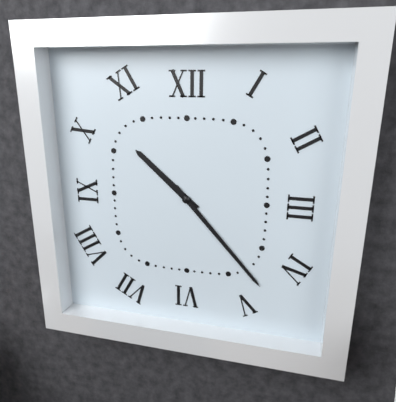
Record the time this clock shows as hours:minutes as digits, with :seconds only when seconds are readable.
10:23
